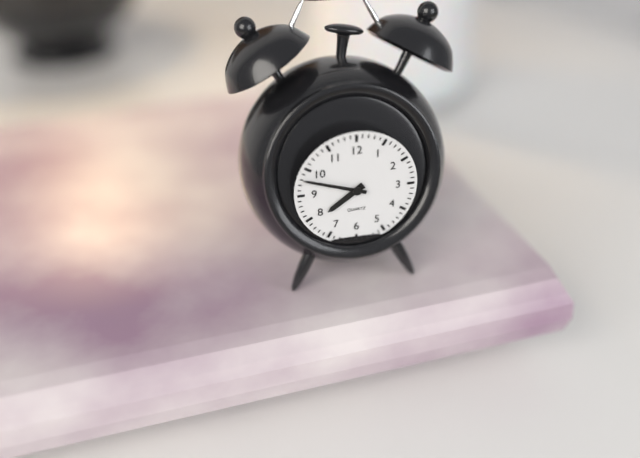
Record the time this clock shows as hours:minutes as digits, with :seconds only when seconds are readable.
7:48
